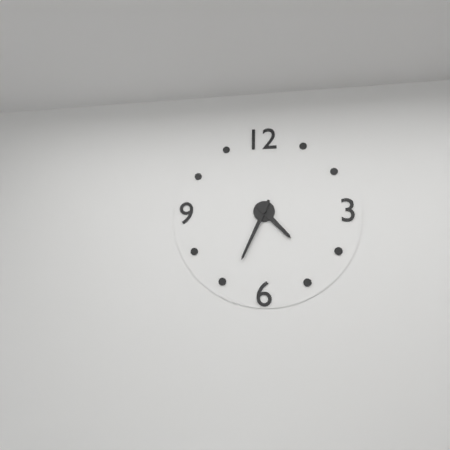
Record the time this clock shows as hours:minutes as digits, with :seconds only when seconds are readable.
4:34
